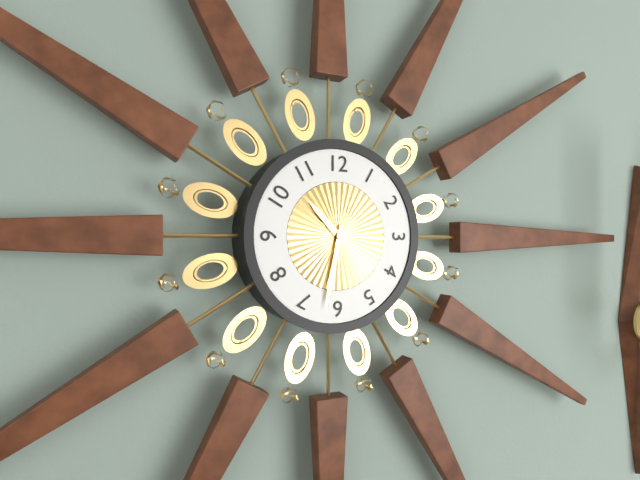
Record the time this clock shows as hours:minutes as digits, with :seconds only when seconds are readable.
10:32
